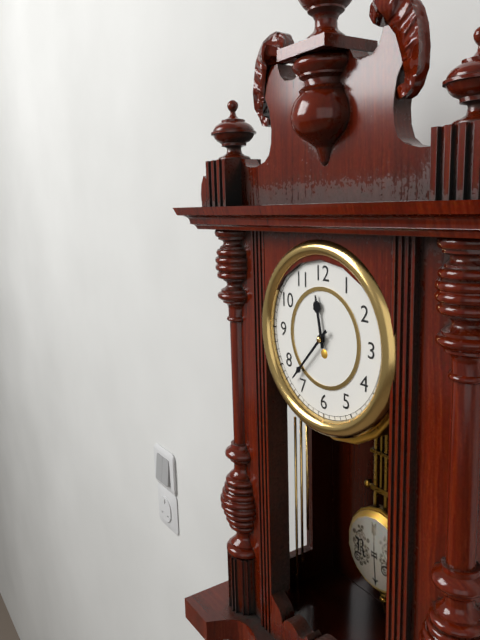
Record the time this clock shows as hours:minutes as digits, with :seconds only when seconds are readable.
11:37
